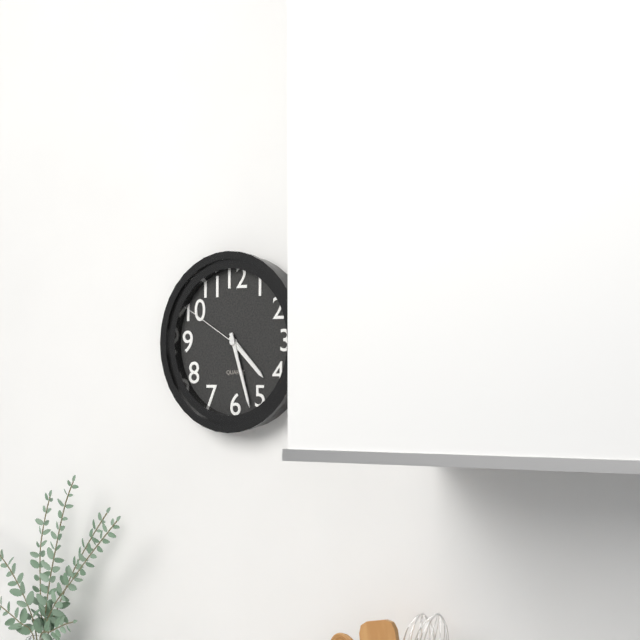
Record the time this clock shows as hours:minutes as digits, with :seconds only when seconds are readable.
4:27:50
